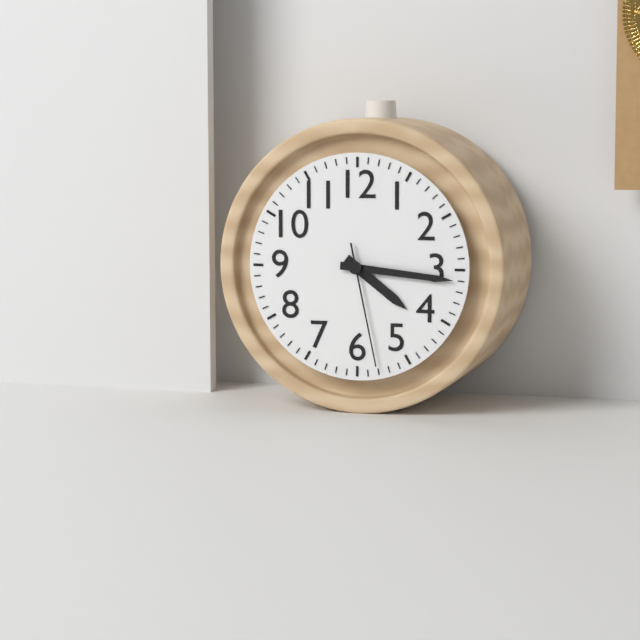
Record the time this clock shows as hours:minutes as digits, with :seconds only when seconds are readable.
4:16:28
